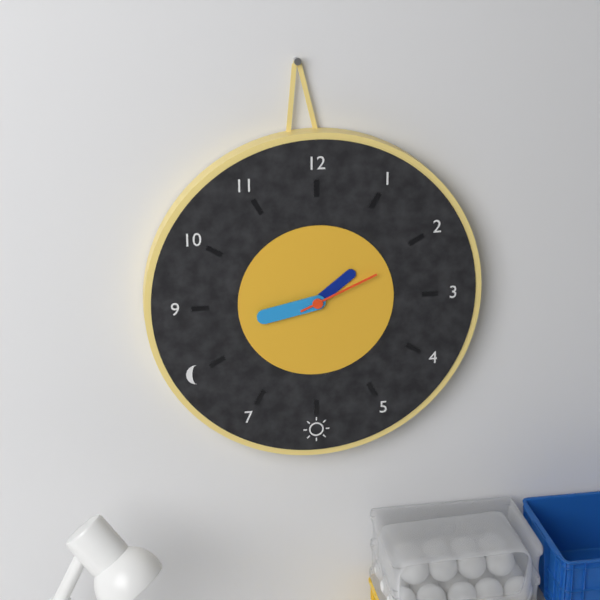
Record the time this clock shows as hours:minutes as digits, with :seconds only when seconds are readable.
1:43:11
